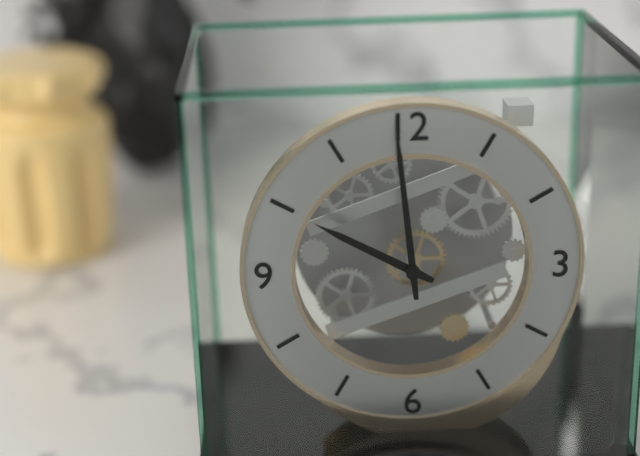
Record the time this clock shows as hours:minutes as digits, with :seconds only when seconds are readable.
9:59
